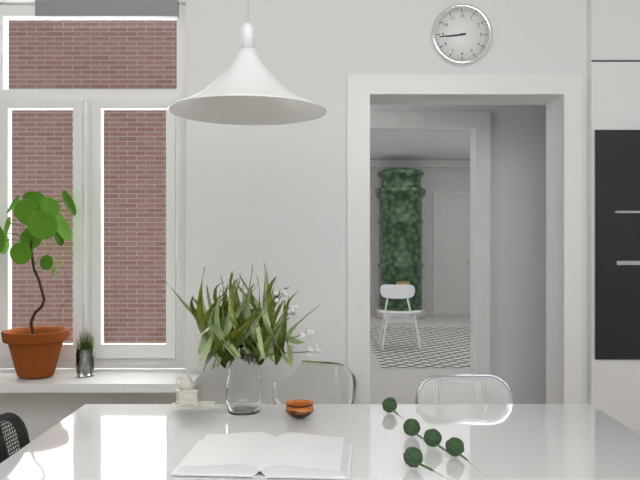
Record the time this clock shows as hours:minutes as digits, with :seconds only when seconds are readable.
8:44
